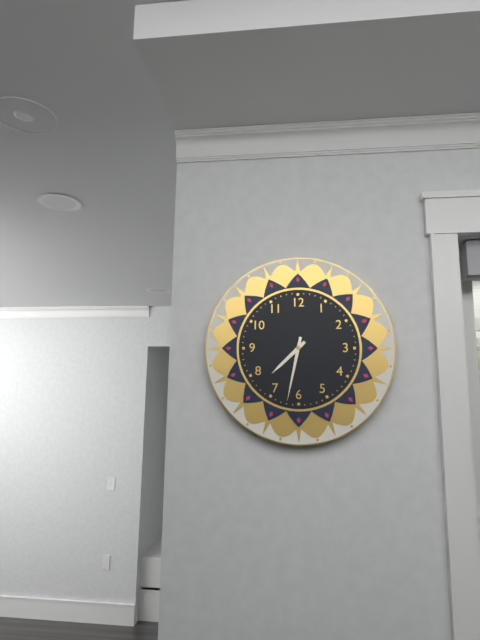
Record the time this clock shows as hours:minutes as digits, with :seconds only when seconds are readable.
7:32
